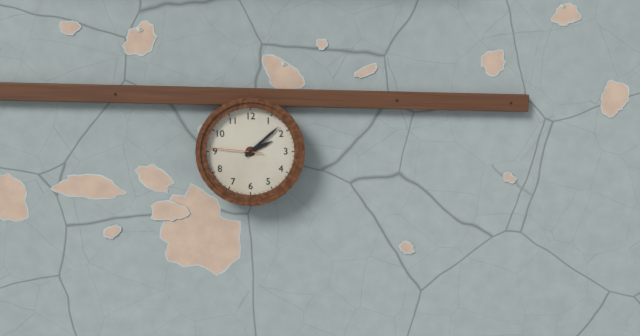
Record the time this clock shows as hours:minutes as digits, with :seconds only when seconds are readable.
2:08:46
